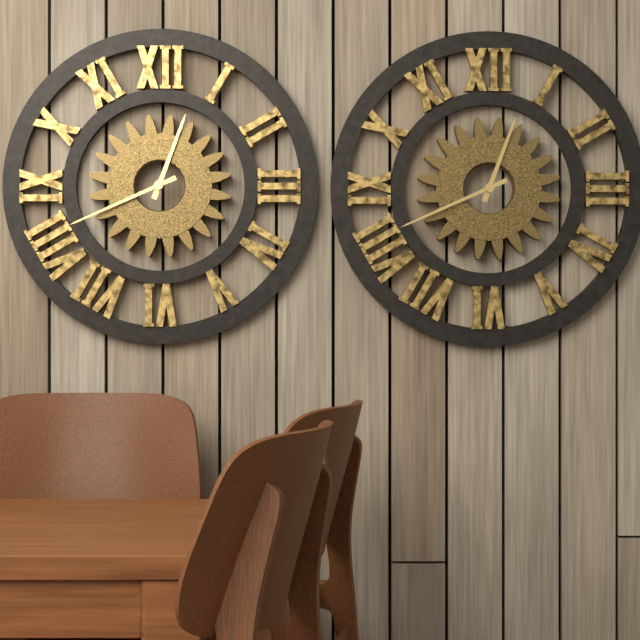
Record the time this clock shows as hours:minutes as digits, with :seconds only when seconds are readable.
12:41
